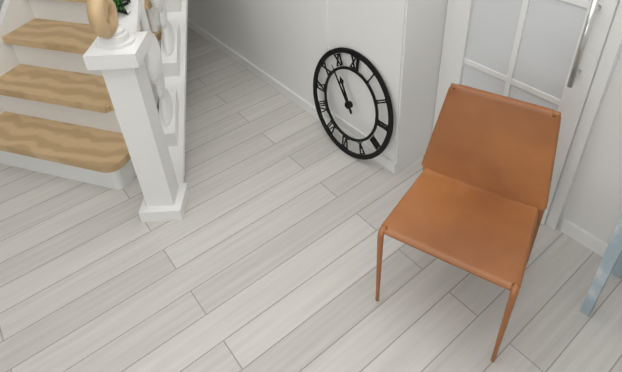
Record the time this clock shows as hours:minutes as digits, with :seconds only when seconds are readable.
10:53
